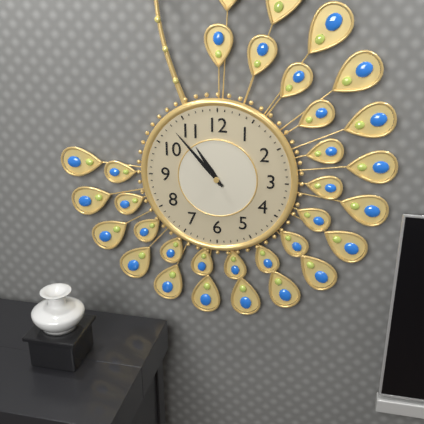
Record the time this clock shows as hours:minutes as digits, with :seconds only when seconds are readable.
10:53
